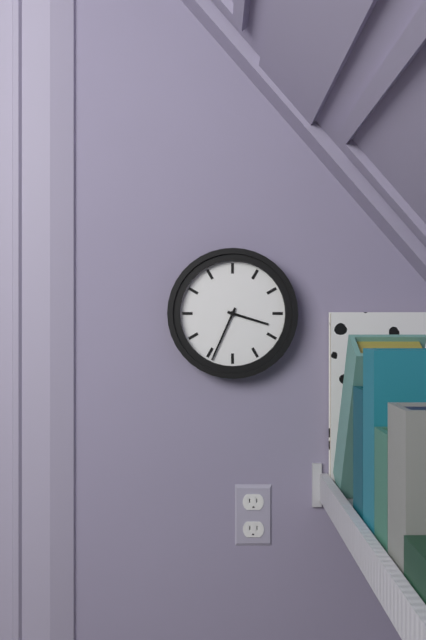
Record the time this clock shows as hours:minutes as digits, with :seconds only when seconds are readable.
3:34
